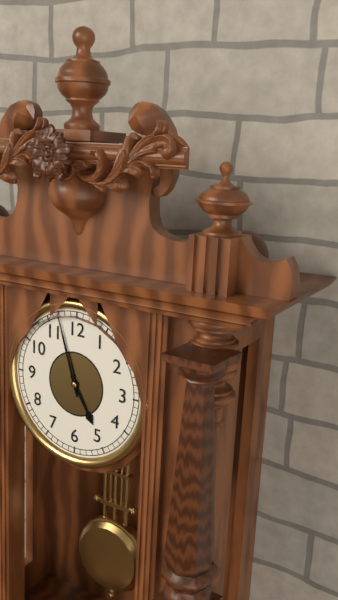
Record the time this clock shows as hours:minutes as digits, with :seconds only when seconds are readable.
4:57
